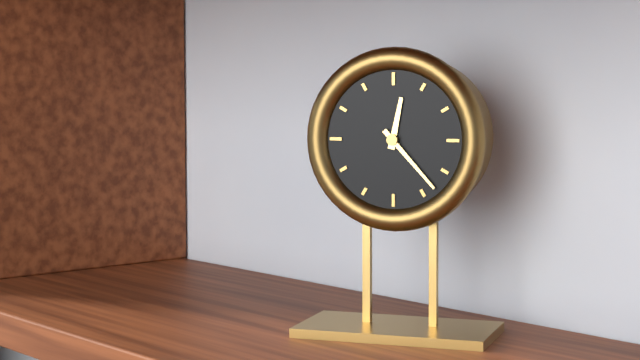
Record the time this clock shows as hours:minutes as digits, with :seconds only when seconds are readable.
12:23
